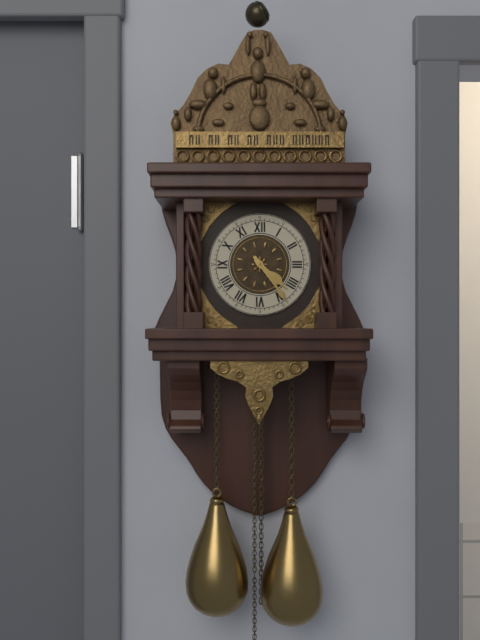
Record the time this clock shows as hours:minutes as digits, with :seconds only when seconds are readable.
4:24
